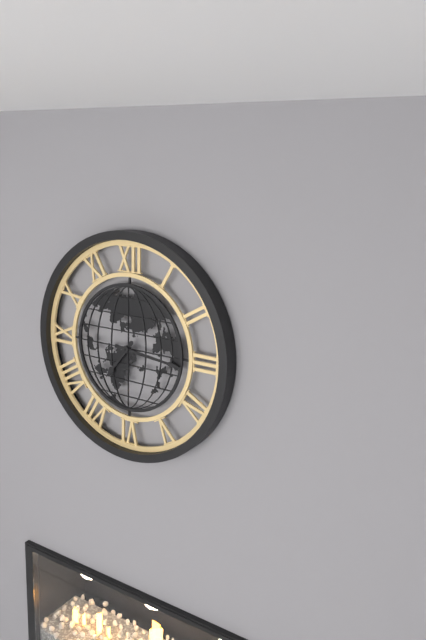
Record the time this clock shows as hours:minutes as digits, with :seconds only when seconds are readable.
7:16
